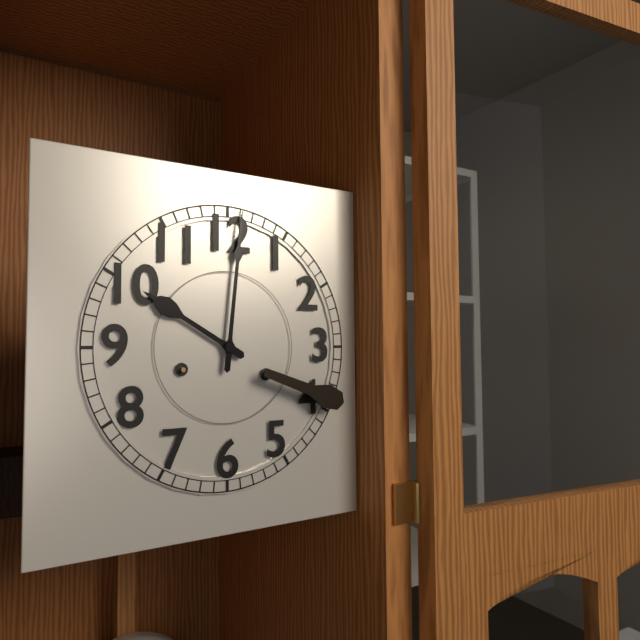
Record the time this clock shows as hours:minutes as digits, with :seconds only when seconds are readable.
10:01
